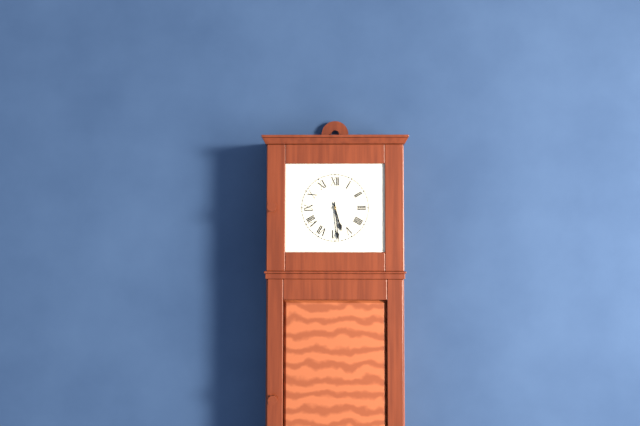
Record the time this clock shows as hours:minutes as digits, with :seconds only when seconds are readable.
5:29
